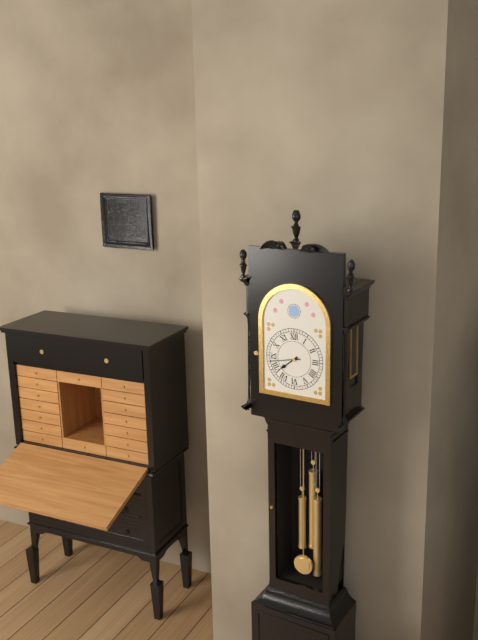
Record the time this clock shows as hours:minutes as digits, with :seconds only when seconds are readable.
7:43
